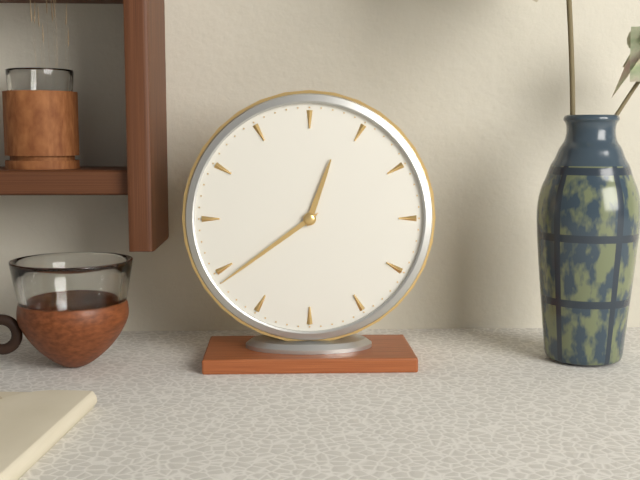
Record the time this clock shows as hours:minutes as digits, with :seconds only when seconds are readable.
12:39
